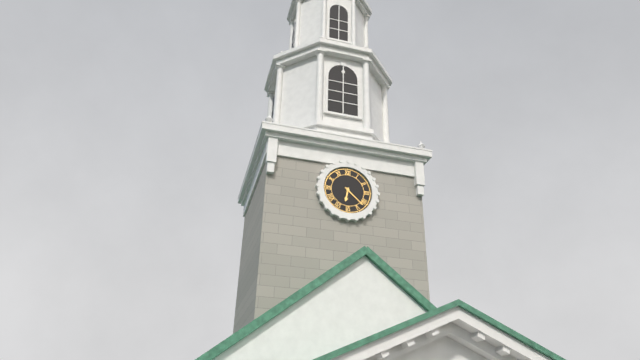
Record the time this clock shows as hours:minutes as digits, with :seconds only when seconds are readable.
6:22
